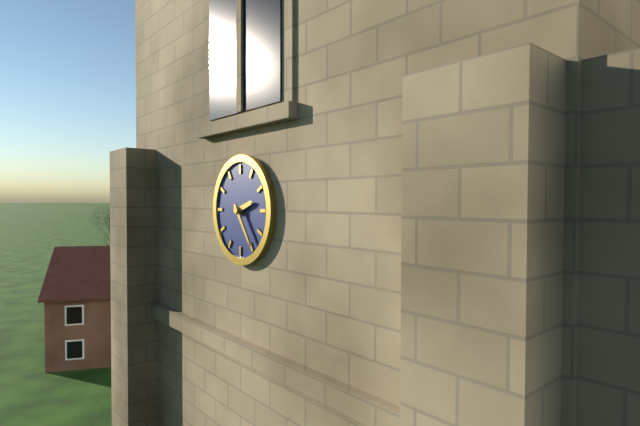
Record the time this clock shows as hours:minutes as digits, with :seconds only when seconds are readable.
2:24
